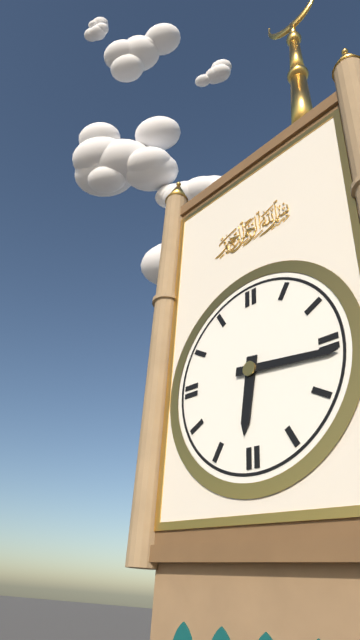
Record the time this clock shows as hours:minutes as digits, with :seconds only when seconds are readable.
6:16
